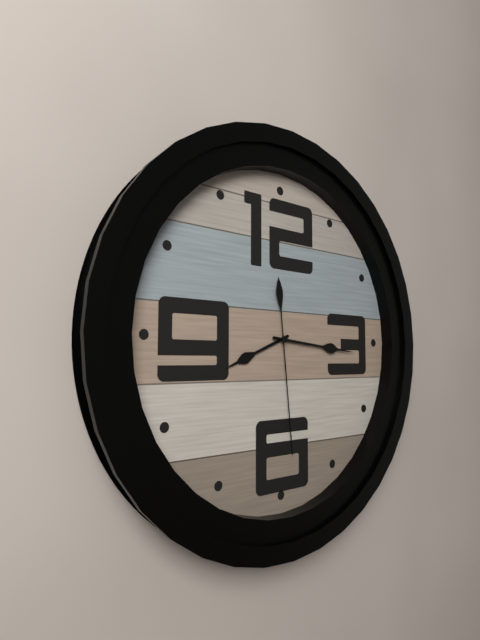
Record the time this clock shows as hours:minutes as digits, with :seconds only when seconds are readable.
8:16:29
